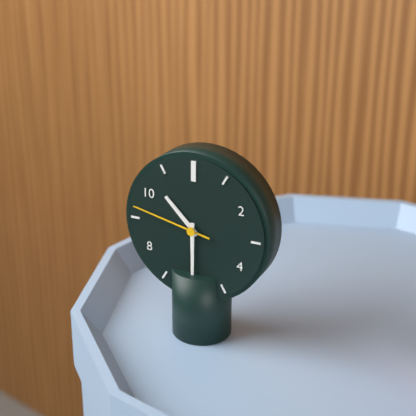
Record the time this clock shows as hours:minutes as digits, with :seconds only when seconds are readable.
10:30:47
